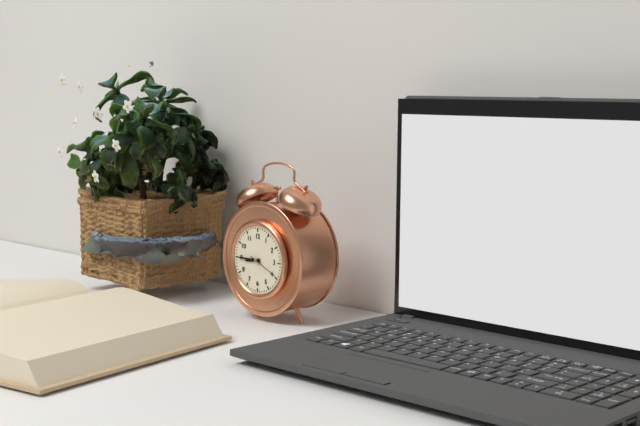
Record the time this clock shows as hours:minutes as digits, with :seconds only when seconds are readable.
8:45
